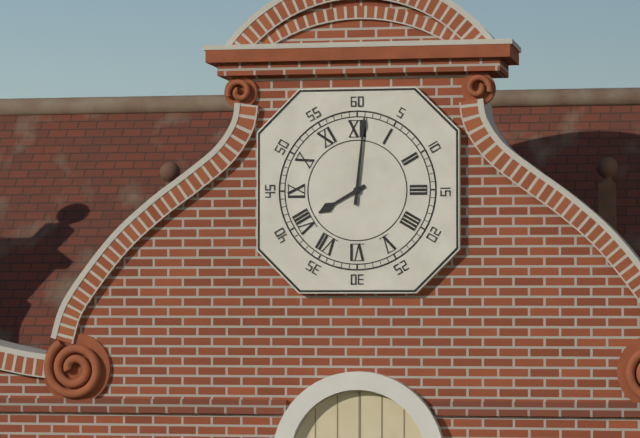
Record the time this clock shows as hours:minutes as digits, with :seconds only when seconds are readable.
8:01
